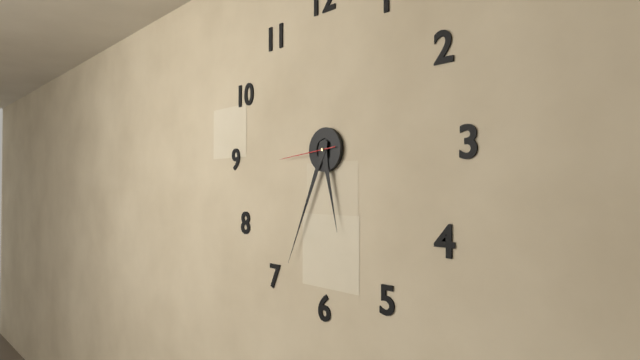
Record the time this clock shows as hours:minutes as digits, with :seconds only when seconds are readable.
5:34:44
